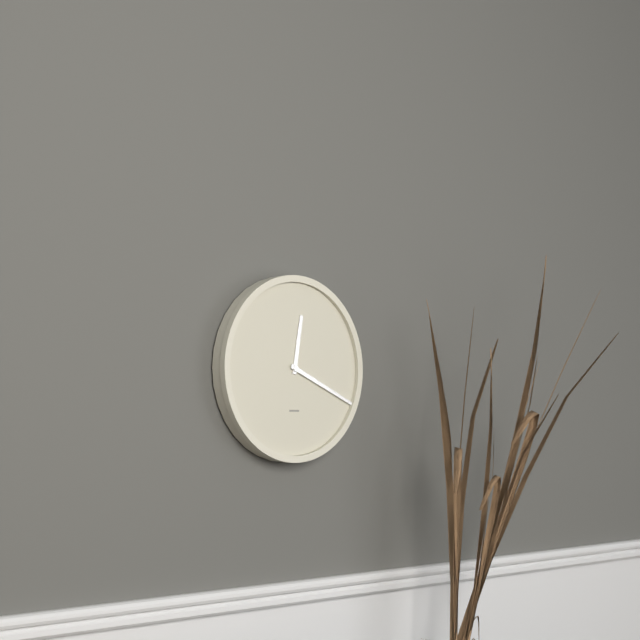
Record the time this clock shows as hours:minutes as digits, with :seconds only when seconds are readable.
12:19
